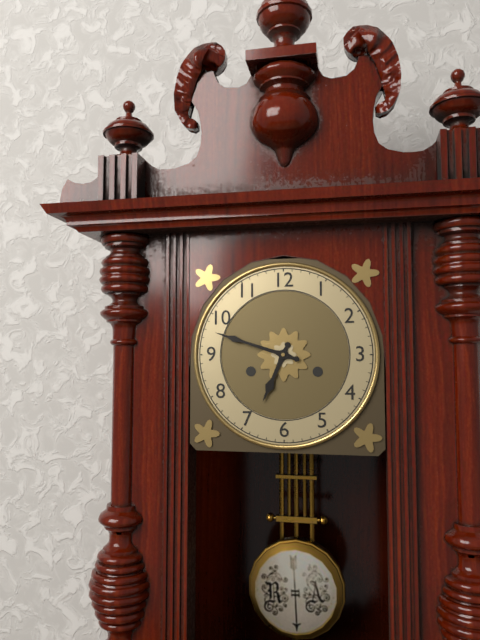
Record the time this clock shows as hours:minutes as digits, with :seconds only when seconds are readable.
6:48
